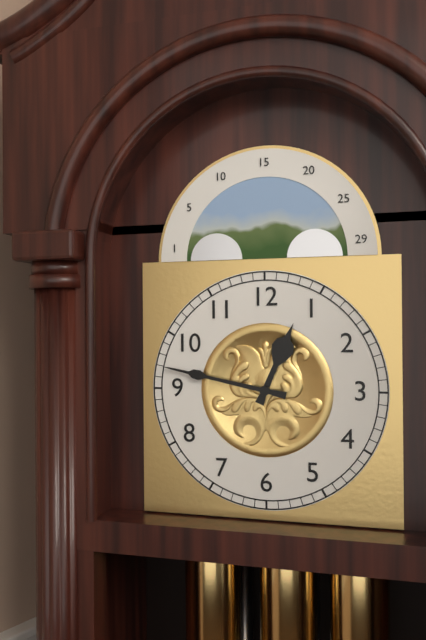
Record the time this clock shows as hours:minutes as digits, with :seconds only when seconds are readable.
12:47
